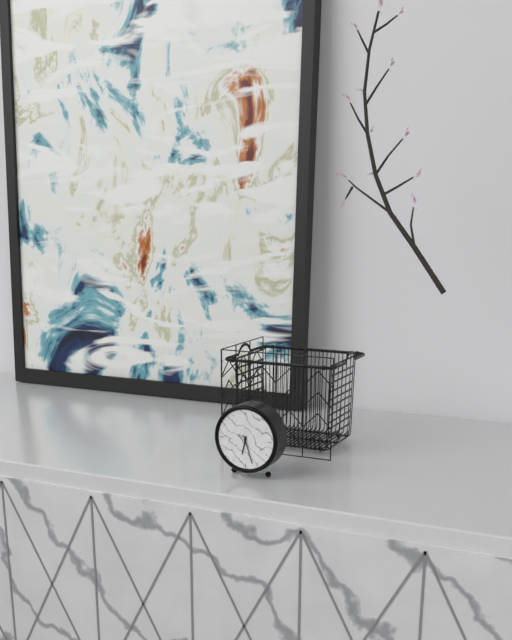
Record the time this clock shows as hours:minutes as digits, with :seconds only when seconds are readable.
6:27
